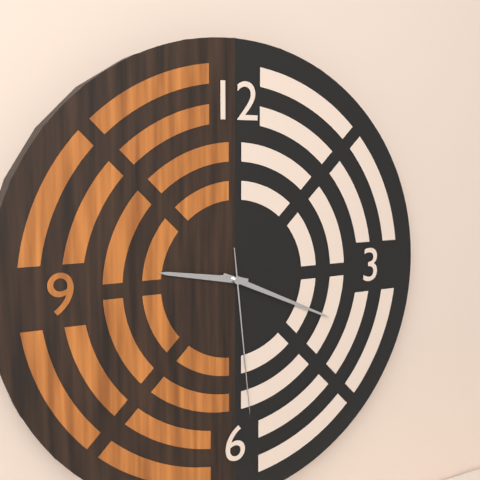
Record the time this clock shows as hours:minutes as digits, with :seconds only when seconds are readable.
9:19:29
